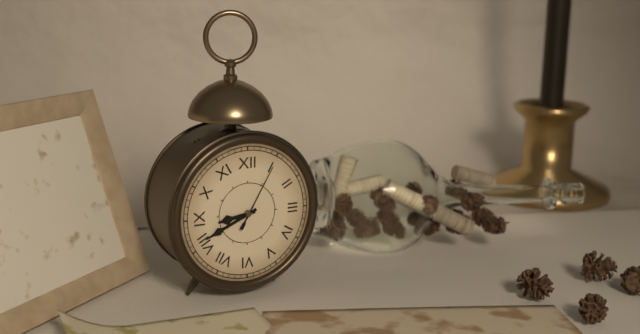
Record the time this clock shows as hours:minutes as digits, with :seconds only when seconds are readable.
8:41:05
